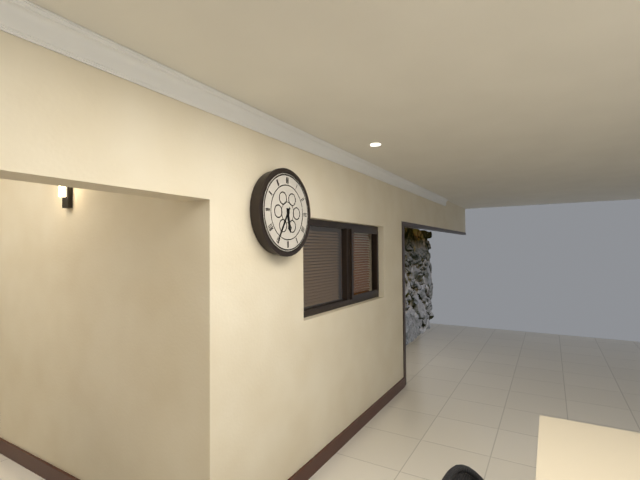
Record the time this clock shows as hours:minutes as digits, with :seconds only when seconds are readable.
5:35
